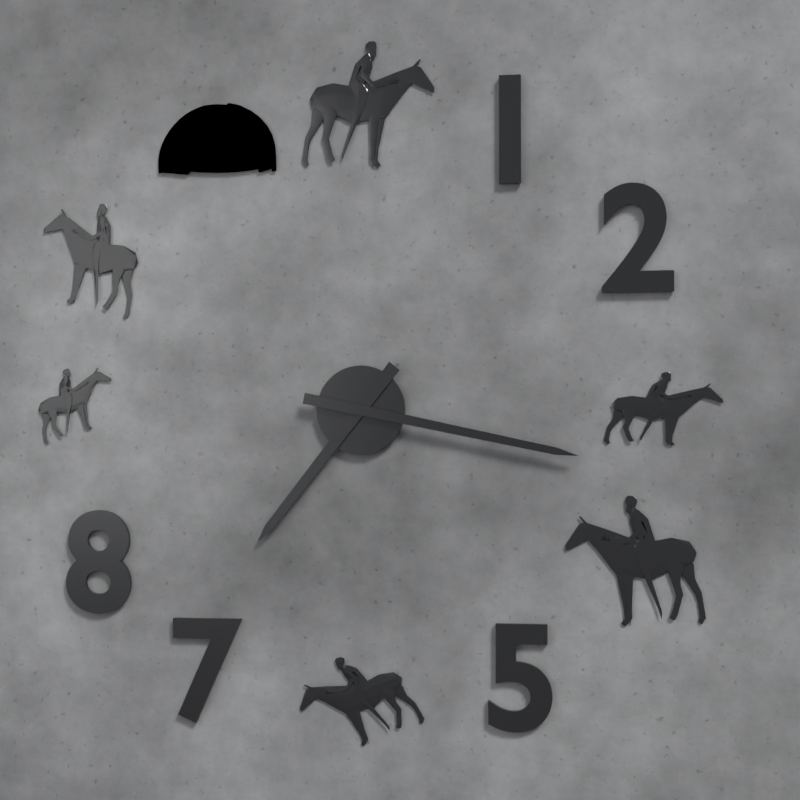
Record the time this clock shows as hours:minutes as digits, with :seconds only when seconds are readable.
7:17
